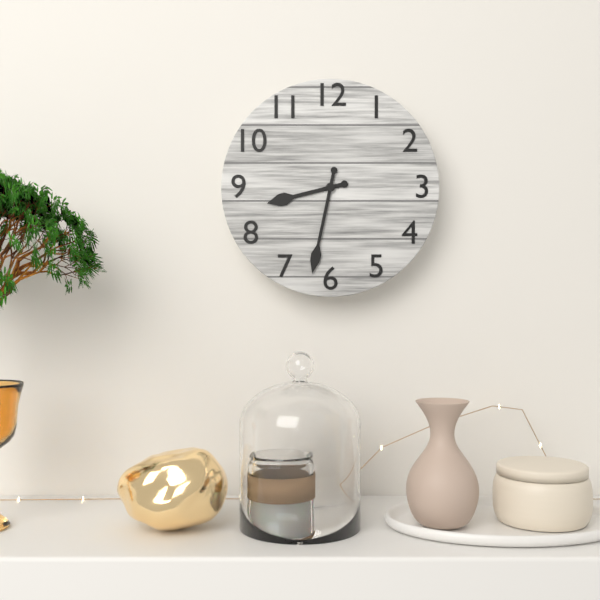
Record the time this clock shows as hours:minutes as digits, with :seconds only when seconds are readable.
8:32
